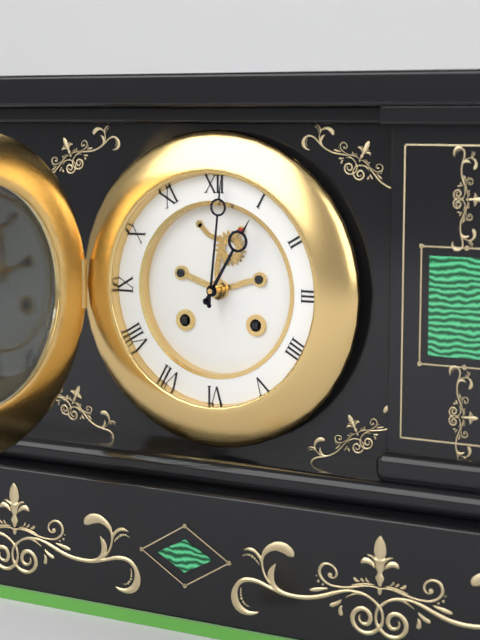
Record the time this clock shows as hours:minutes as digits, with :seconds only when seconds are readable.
1:01
